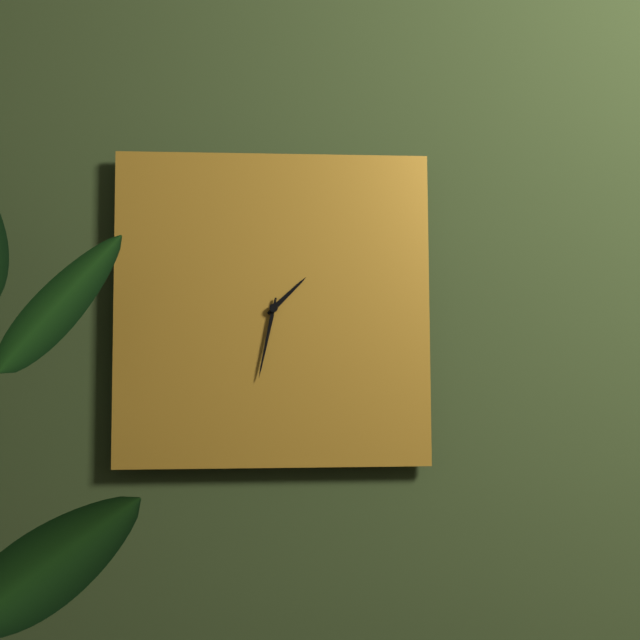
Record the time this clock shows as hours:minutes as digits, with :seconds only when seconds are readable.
1:32
